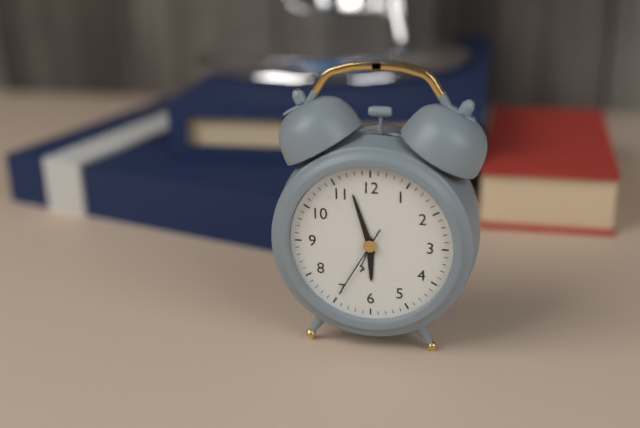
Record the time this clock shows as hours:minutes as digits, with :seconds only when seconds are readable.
5:57:35
